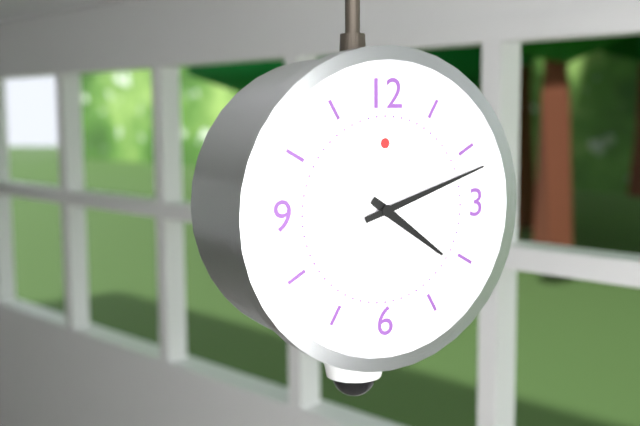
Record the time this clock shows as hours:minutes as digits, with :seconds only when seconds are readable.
4:12
